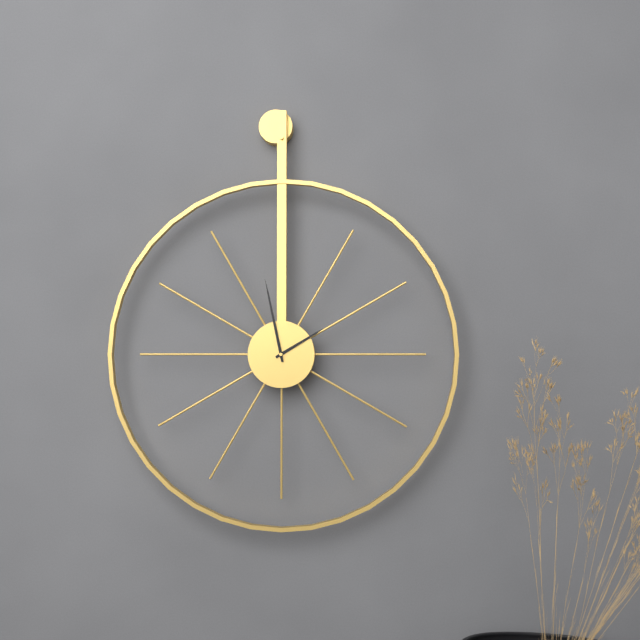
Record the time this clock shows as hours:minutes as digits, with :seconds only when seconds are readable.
1:58
